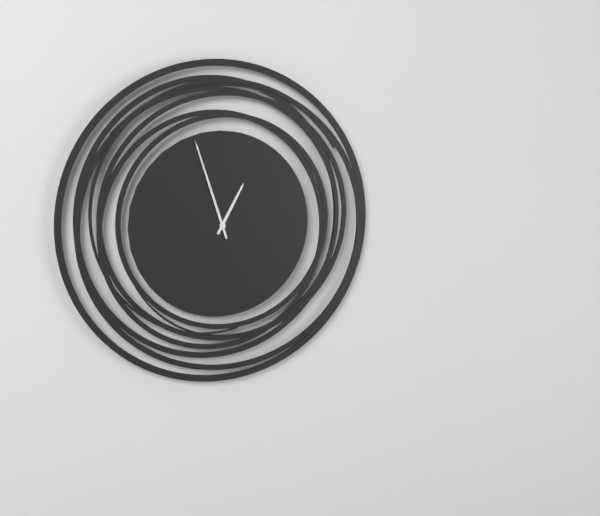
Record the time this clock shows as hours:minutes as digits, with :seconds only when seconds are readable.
12:57
